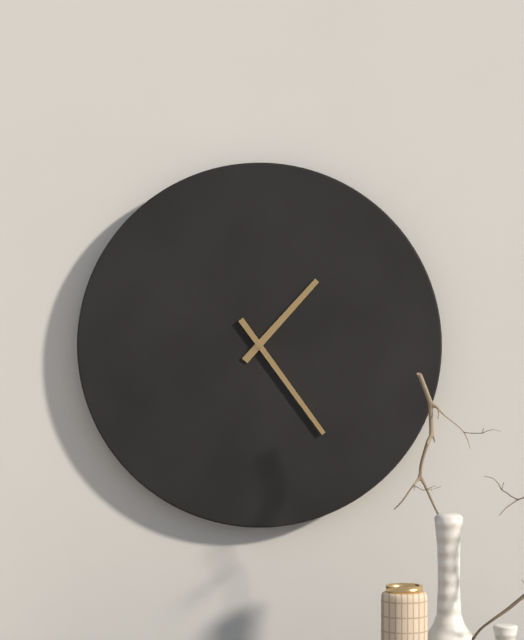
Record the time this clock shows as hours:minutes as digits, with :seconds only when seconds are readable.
1:24
